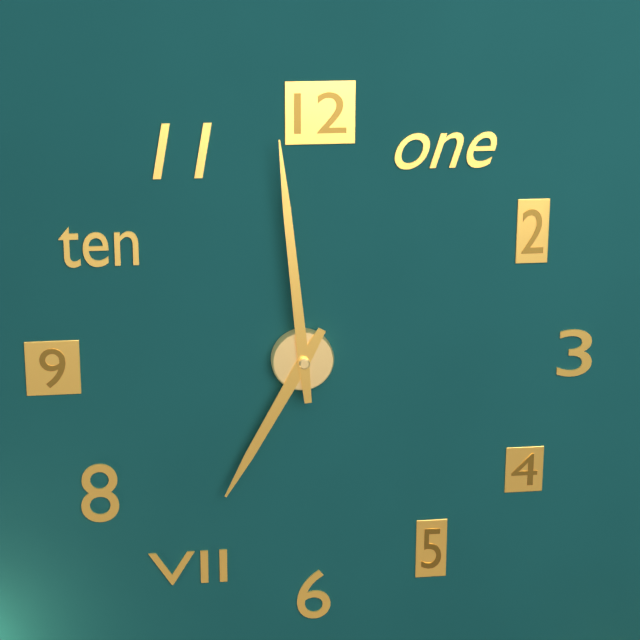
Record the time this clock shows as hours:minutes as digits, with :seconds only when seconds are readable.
6:59
